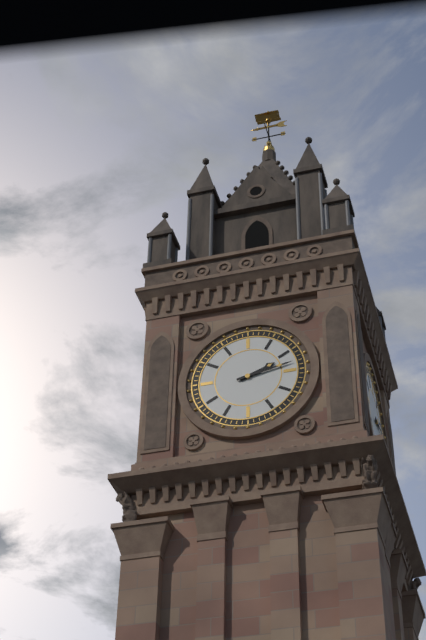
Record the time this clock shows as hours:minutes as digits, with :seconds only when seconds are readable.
2:13
